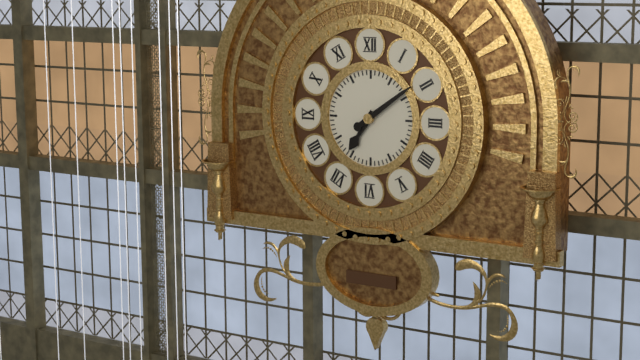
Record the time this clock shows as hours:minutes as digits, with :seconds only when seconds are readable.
7:09
